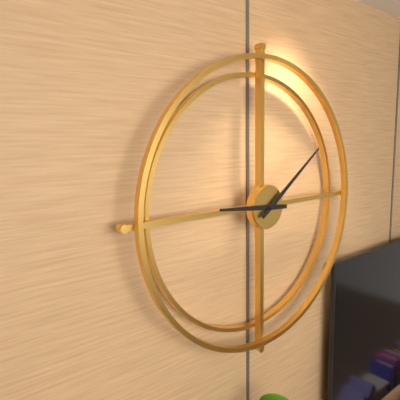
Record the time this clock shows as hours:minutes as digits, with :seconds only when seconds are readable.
9:09
